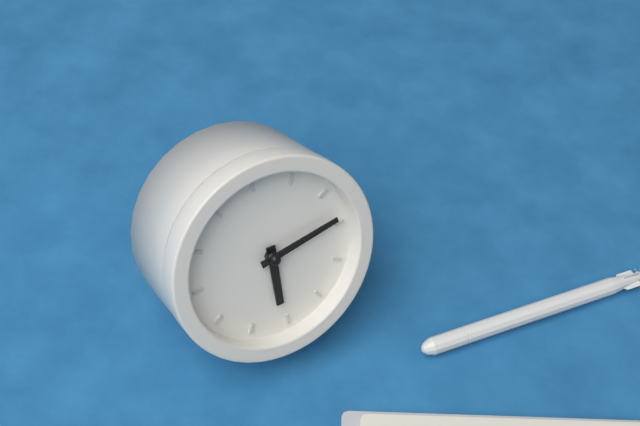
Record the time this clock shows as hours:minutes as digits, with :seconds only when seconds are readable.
5:09
